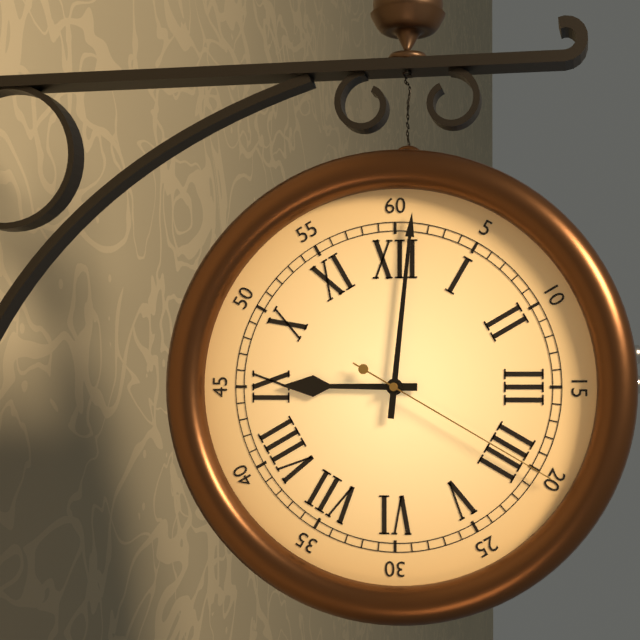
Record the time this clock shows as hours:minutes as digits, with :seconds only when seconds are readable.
9:01:20
